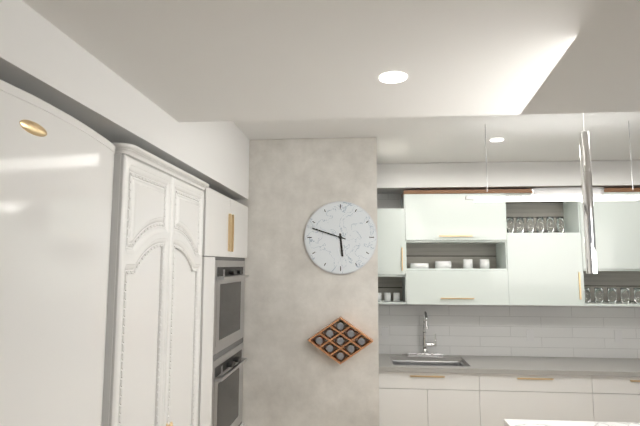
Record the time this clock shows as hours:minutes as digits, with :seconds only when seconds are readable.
5:48
